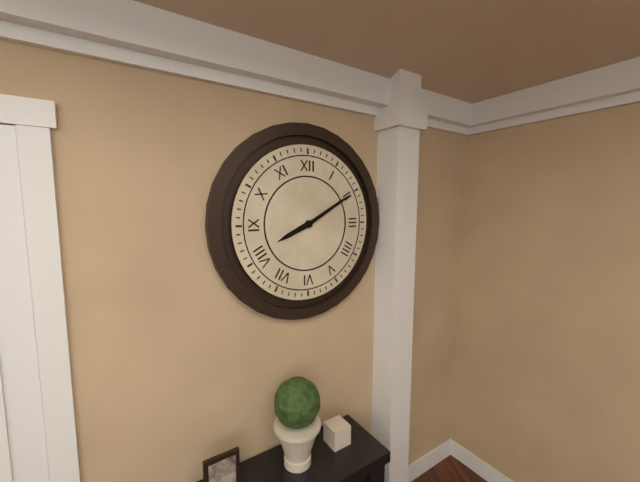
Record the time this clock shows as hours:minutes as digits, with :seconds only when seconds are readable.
8:10
